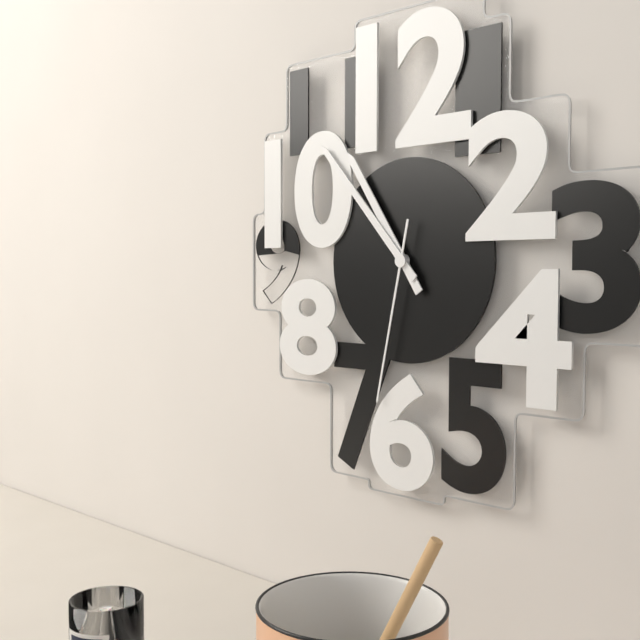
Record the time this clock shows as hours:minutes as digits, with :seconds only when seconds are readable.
10:53:32
